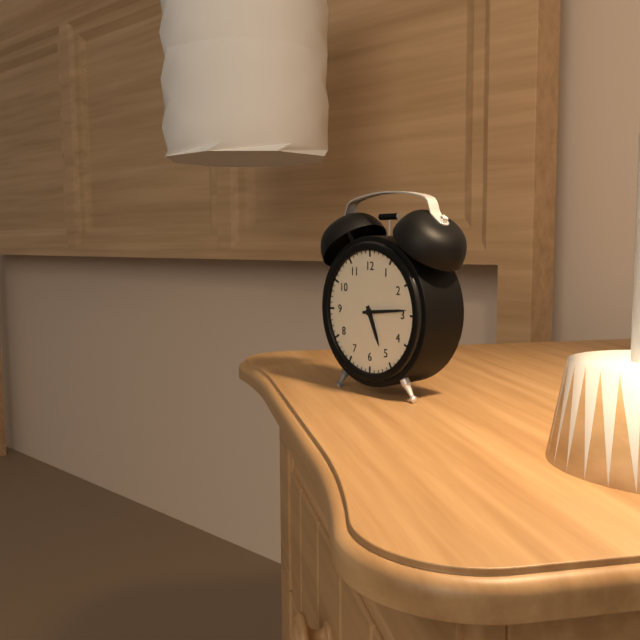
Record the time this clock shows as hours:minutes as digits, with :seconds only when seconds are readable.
5:14
